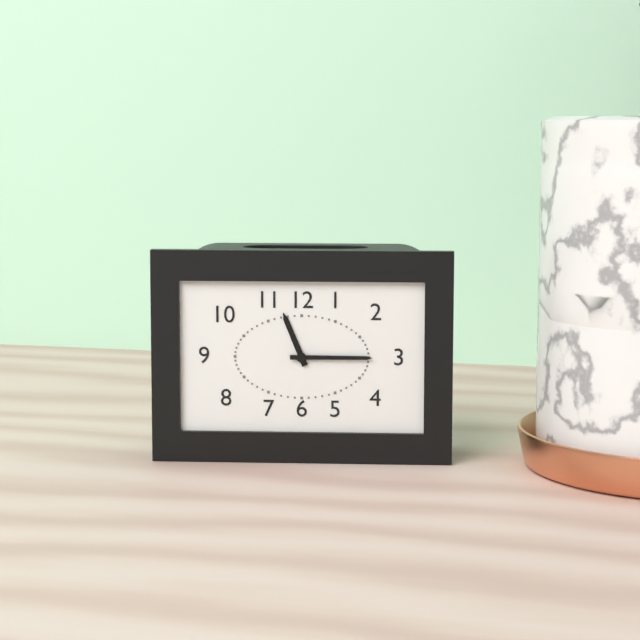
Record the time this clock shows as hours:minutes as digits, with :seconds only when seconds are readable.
11:15
